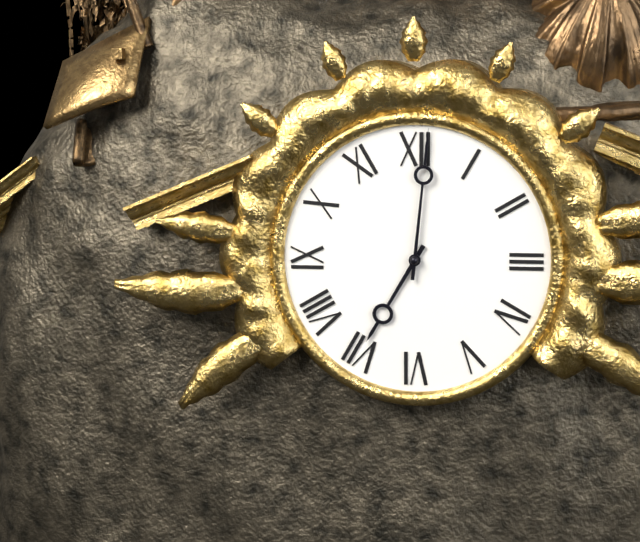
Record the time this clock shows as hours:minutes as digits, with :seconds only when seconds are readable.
7:01
